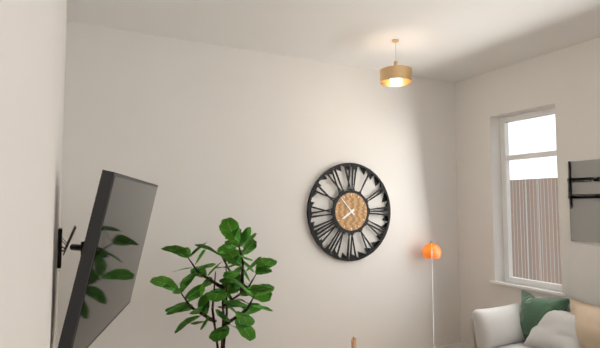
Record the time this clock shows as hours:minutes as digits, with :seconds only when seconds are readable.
7:53
